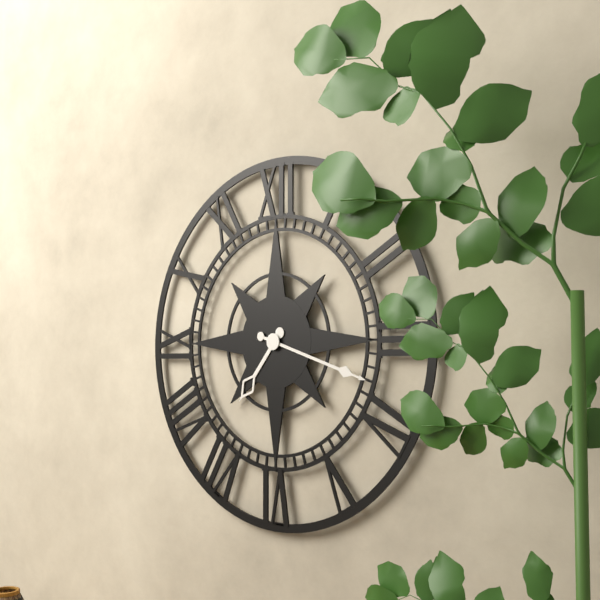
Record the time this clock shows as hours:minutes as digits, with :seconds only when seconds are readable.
7:18
